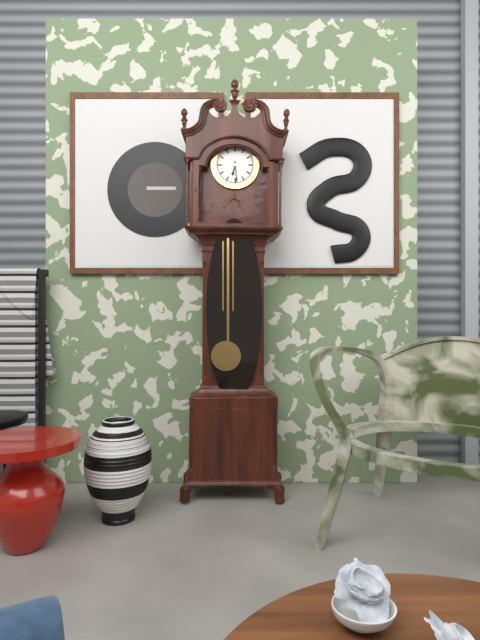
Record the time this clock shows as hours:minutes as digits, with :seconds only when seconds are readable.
6:29
